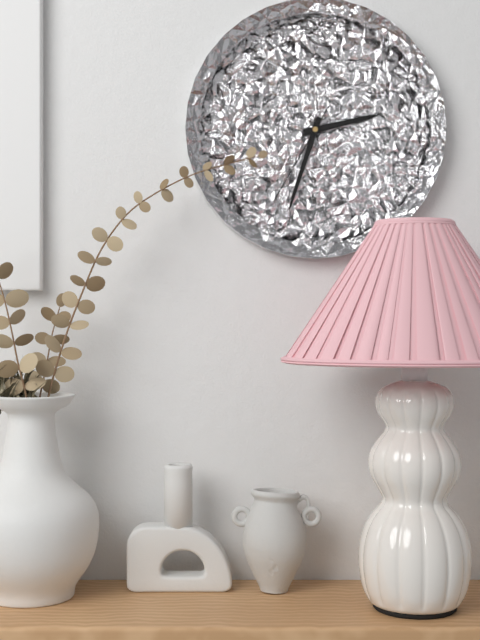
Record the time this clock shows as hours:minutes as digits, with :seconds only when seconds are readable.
2:33:35
